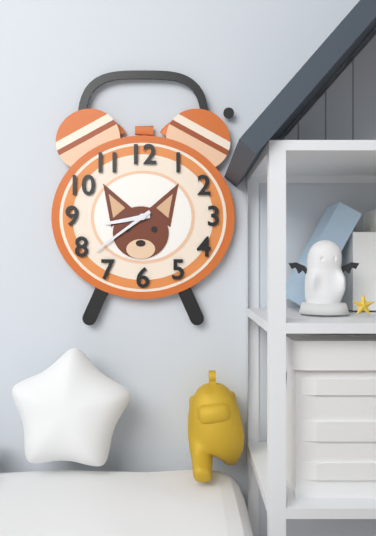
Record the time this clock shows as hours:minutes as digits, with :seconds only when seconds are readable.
8:39
